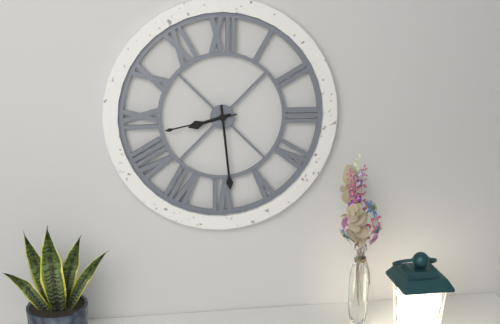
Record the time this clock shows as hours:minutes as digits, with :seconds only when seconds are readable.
8:29:43
